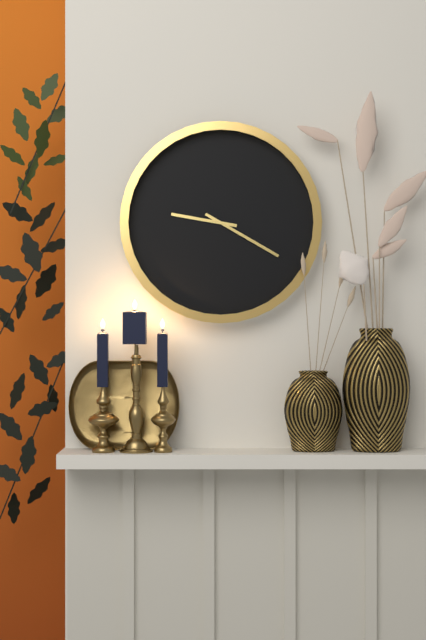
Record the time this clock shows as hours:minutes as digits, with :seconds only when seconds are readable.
9:20
